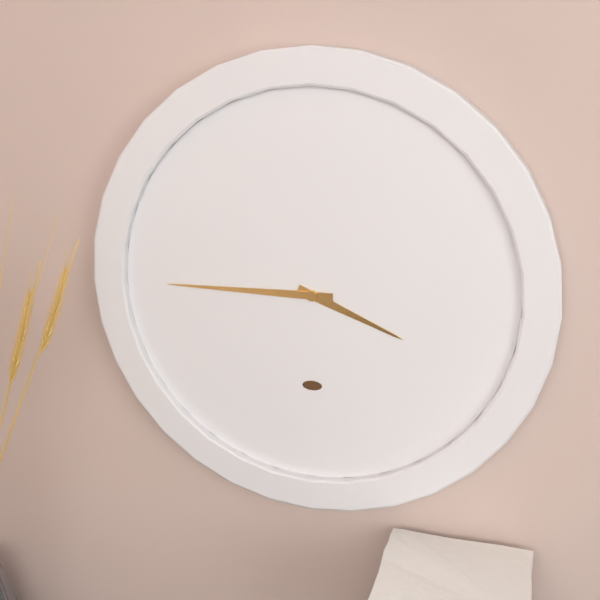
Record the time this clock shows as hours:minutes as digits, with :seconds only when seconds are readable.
3:45
